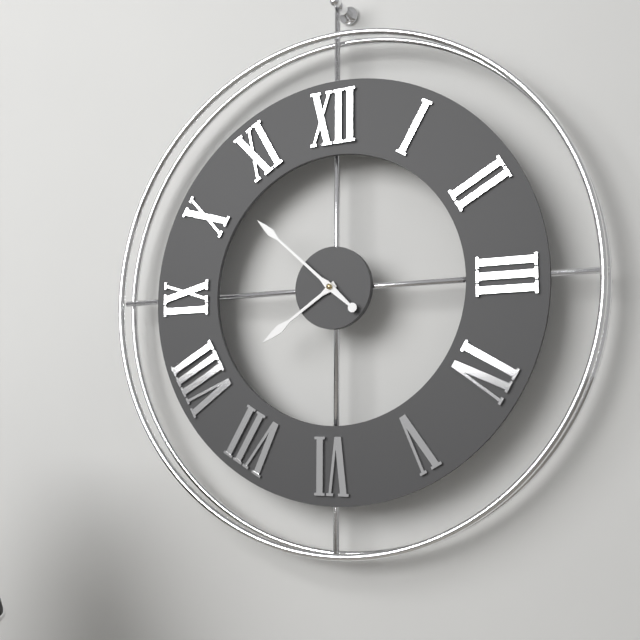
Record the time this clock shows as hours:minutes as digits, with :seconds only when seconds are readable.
7:52
